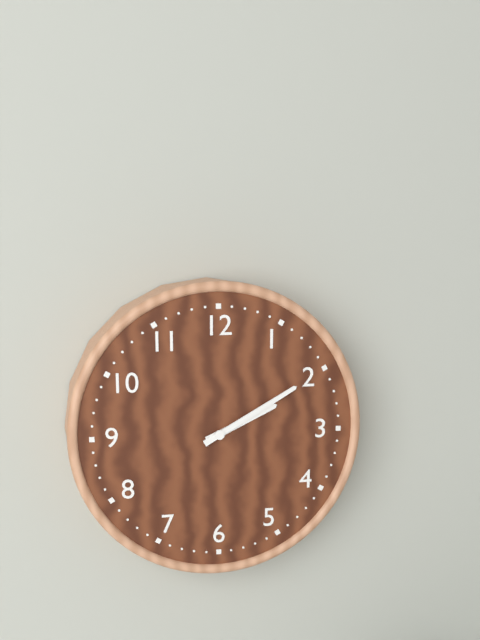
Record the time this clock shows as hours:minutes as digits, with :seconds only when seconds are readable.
2:10
